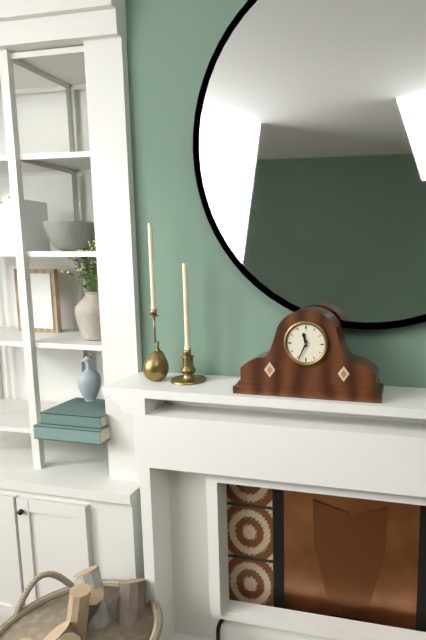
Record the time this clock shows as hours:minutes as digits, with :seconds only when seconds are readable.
11:34
